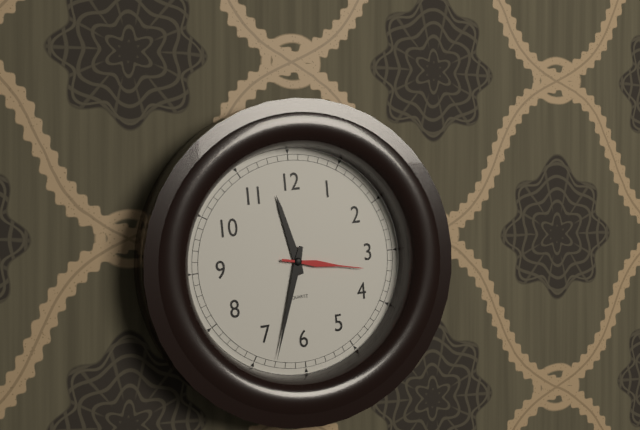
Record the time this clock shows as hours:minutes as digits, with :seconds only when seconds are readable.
11:33:17
